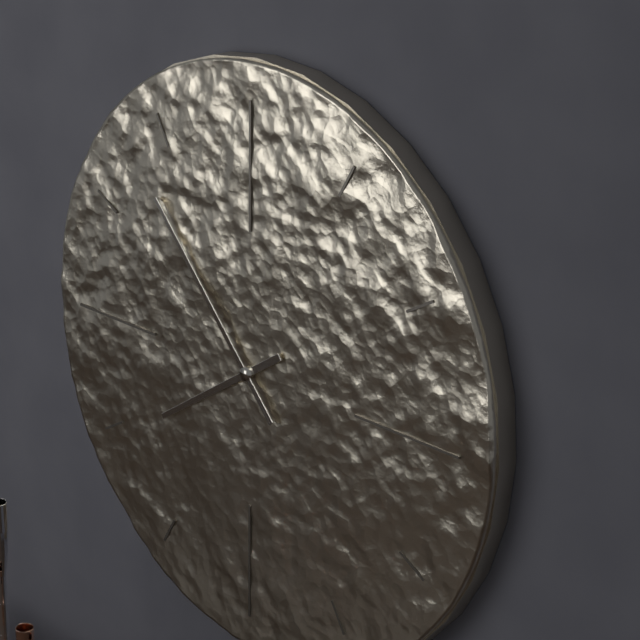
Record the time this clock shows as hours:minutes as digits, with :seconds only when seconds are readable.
7:53
